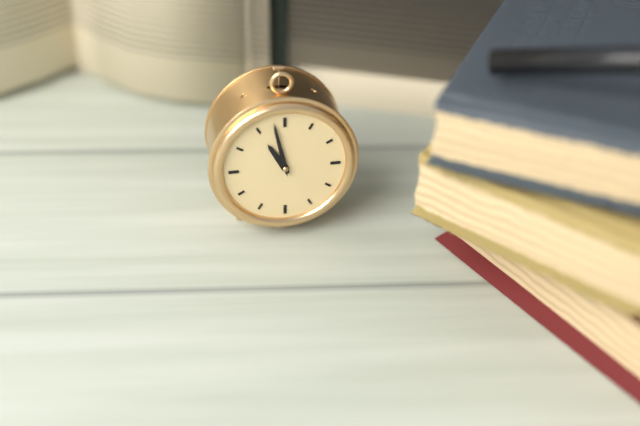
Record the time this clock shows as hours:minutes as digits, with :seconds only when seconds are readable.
10:58
